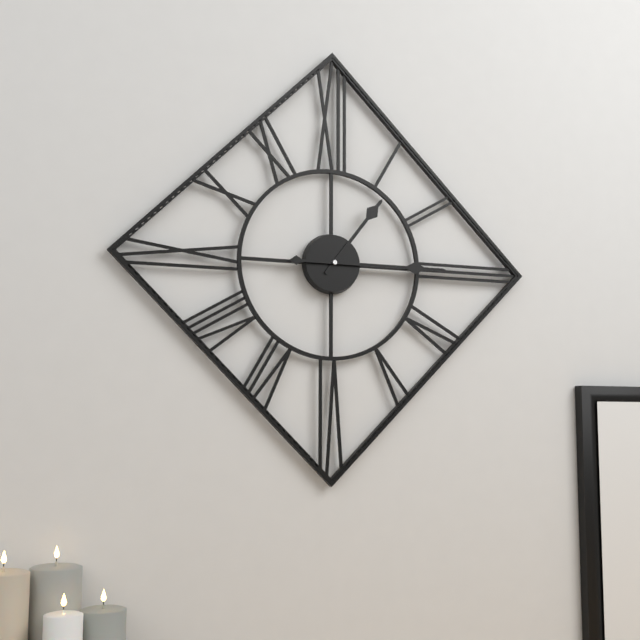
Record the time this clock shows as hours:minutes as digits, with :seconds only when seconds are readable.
1:15
